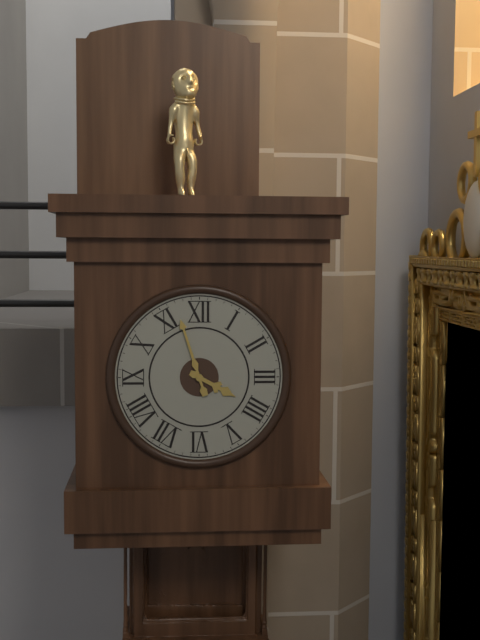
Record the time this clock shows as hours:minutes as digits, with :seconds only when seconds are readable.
3:57
